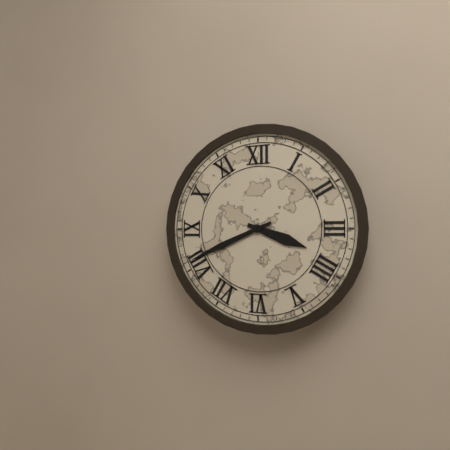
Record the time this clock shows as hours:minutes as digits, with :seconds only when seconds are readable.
3:41
